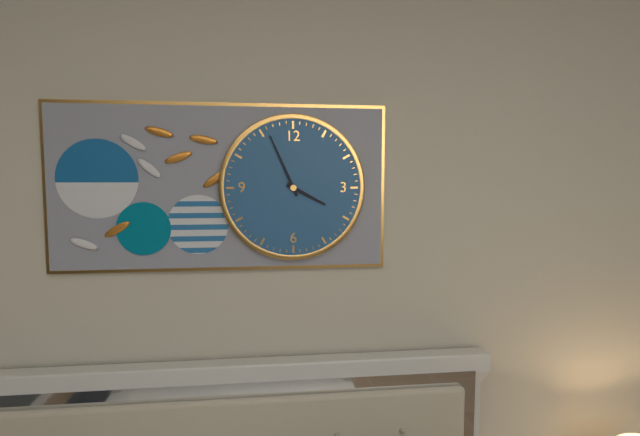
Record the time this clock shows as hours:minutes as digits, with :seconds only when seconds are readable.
3:56
